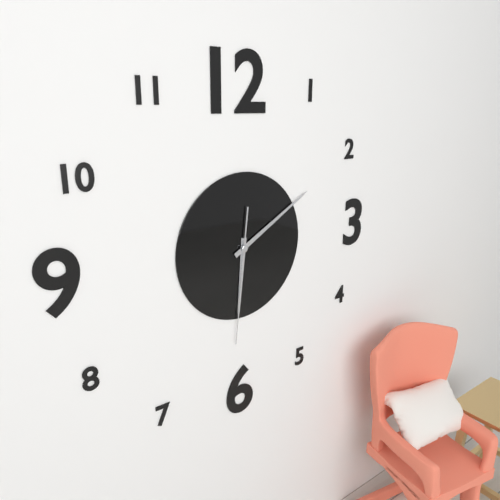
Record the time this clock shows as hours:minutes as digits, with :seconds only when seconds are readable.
6:10:31
